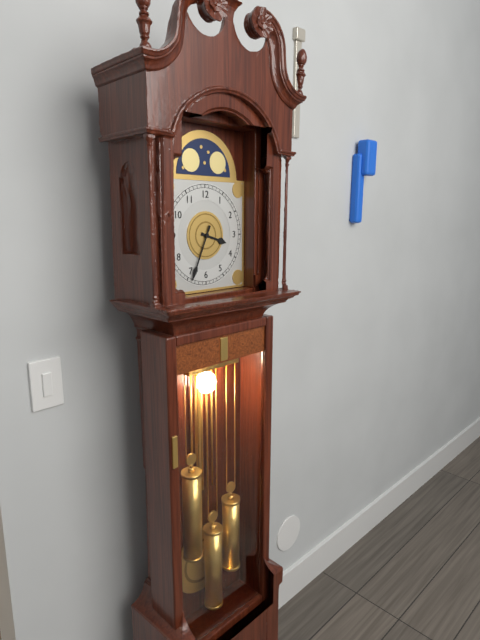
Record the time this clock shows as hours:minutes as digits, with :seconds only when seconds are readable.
3:34
